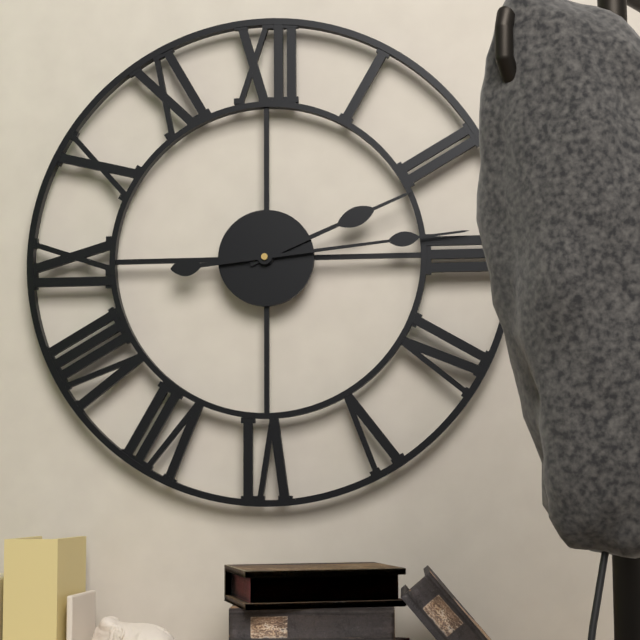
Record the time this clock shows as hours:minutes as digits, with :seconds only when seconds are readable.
2:14
